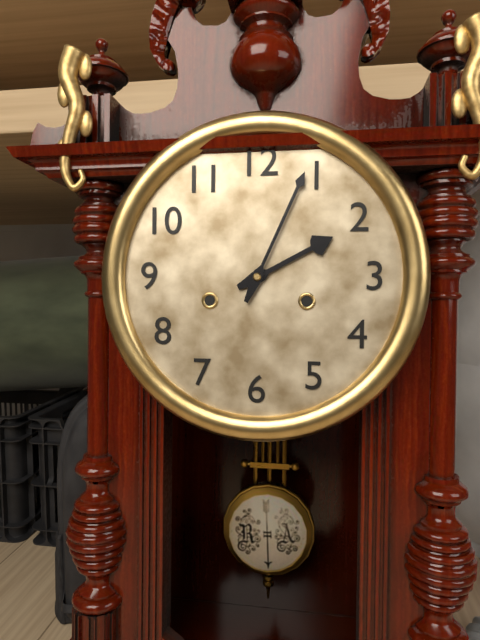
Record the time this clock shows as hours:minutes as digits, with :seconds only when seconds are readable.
2:04
